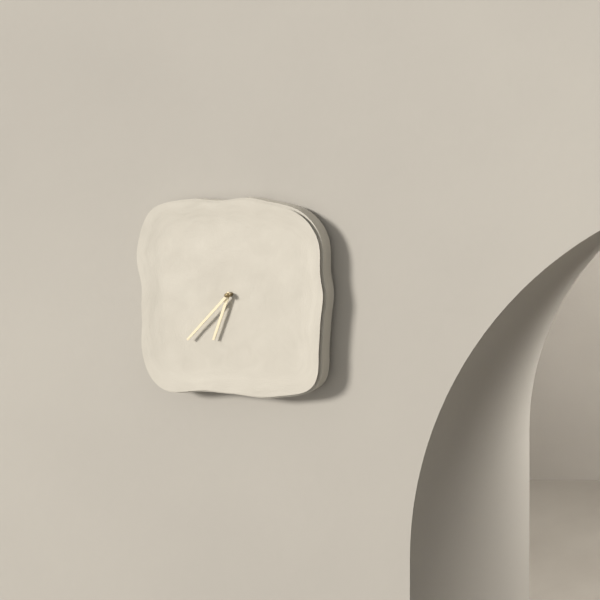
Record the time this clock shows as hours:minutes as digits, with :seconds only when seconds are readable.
6:37
